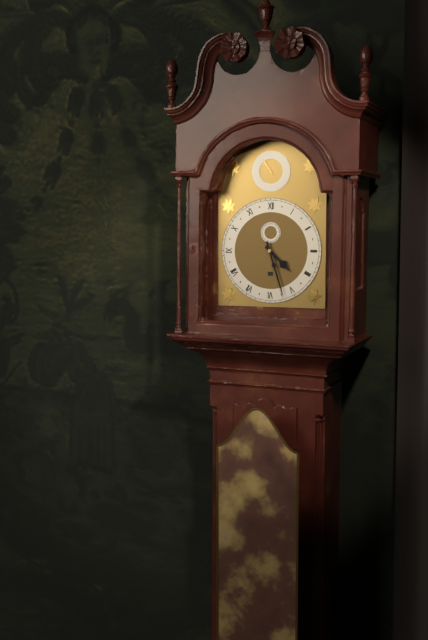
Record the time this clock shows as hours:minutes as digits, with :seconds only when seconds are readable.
4:27
